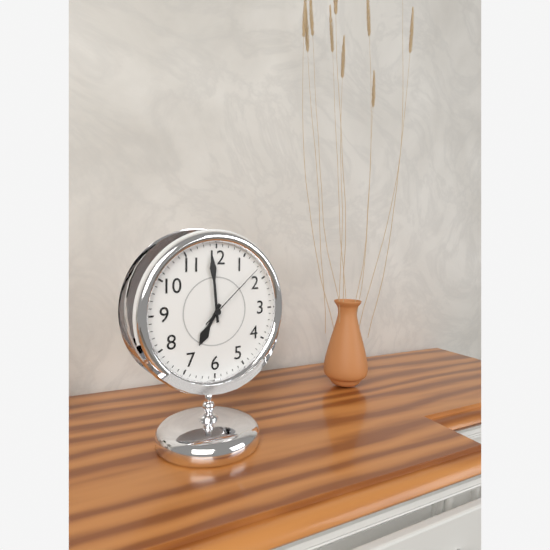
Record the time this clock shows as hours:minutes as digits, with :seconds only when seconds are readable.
6:59:08
